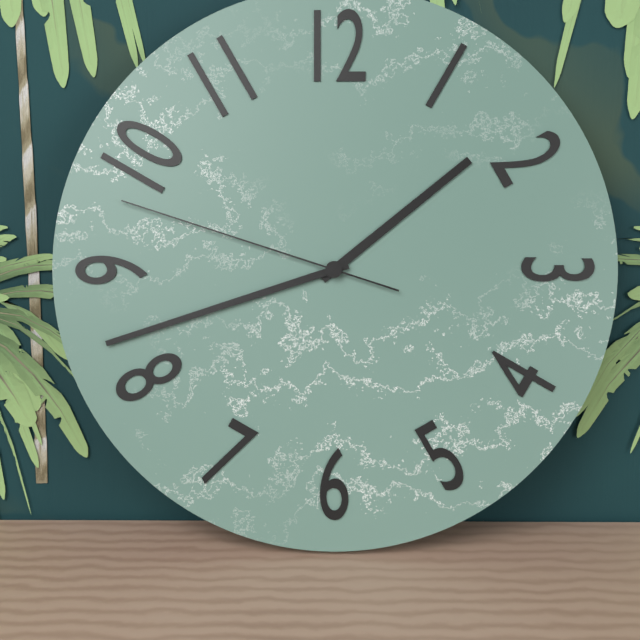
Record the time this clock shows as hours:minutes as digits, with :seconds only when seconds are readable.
1:42:48
